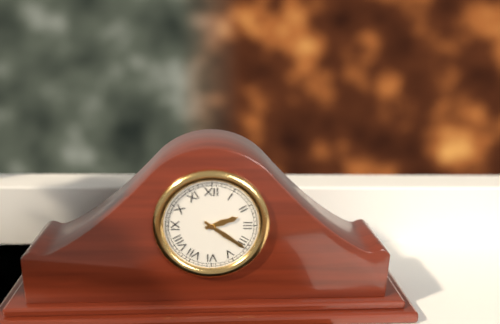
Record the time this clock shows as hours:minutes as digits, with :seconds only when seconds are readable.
2:21
